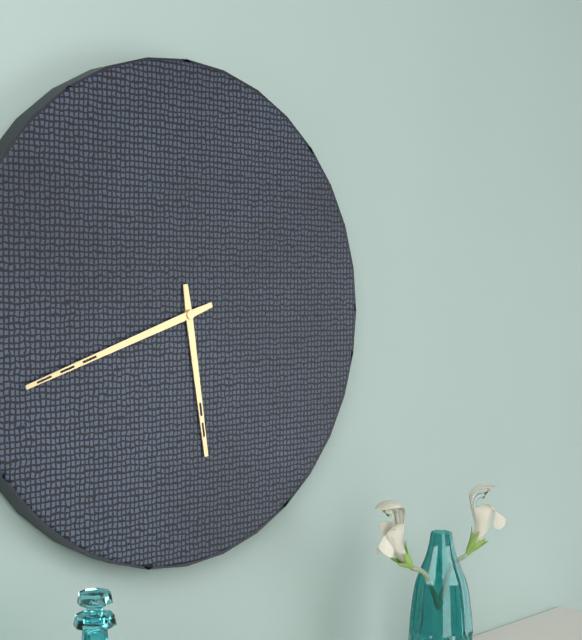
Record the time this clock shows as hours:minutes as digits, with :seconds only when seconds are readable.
5:42
